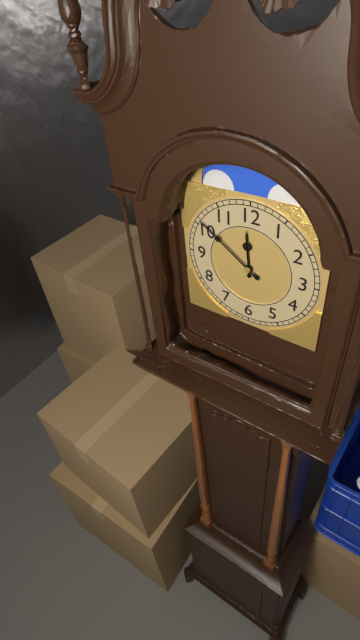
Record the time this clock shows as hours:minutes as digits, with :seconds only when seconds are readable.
11:51
